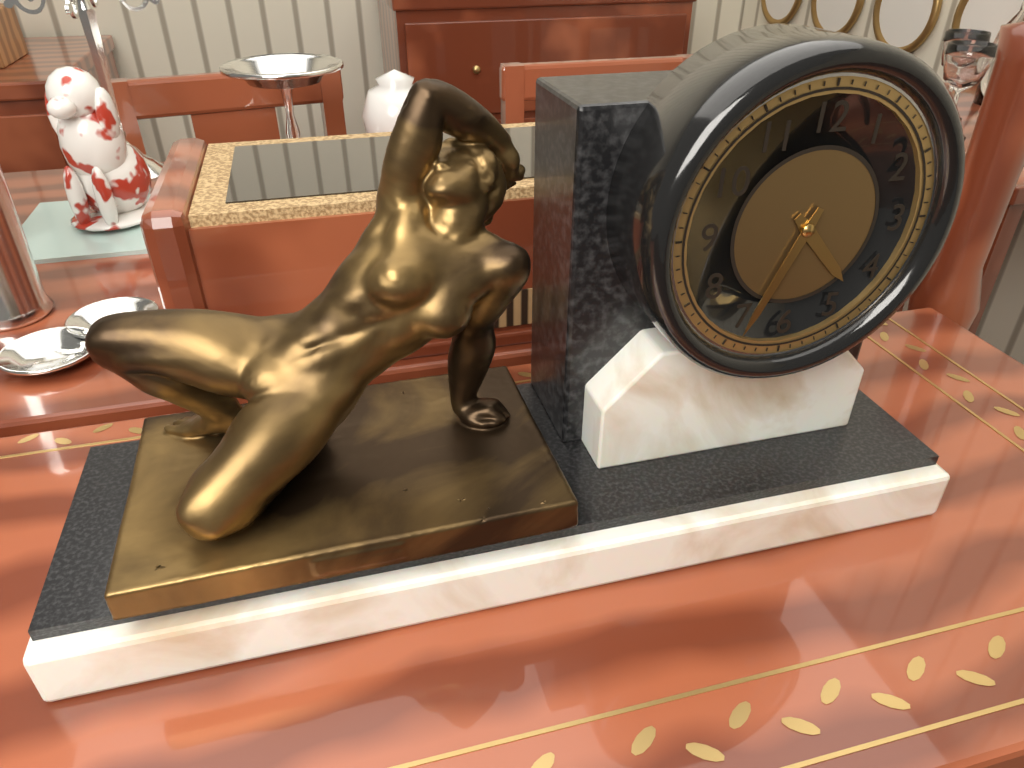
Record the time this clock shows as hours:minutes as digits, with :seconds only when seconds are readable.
4:34
